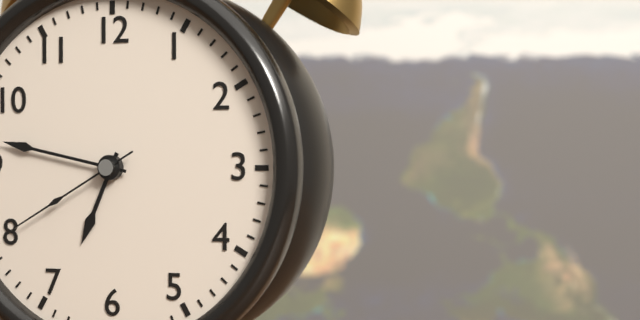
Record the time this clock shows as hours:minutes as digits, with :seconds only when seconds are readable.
6:47:40
